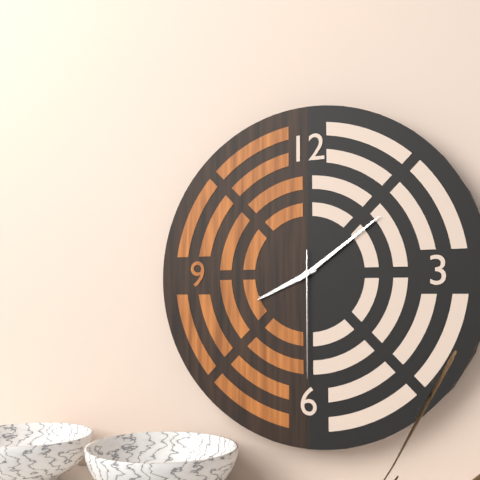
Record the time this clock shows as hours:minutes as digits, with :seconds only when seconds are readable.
8:09:30
